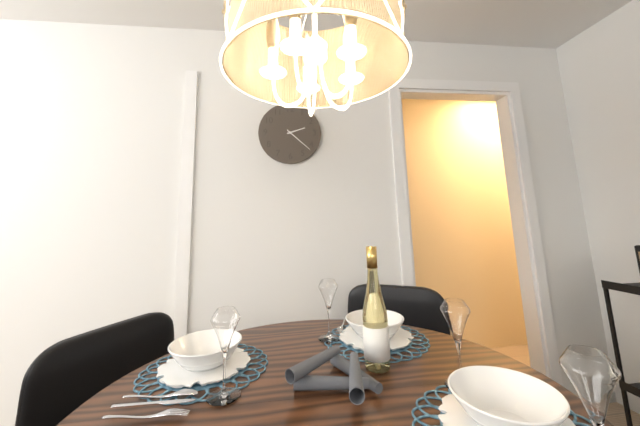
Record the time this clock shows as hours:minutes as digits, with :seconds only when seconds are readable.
2:22
